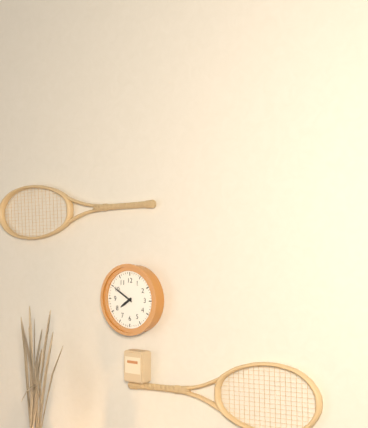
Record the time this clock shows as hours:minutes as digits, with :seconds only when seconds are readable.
7:50
